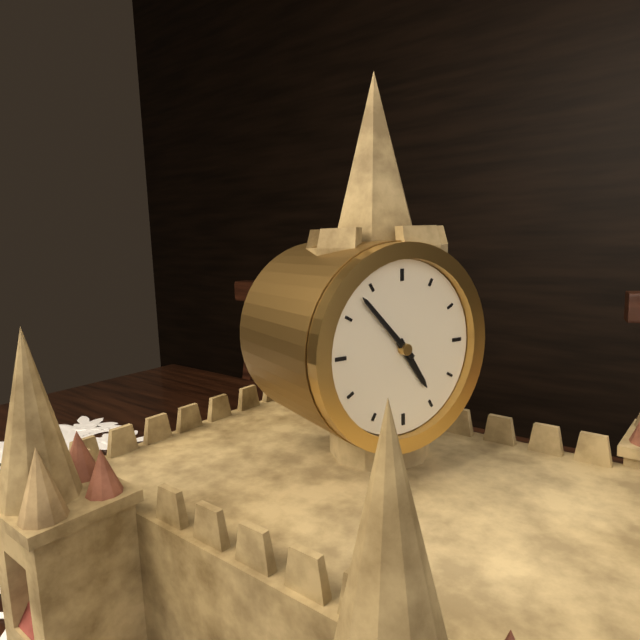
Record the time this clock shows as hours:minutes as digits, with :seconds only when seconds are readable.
4:53
